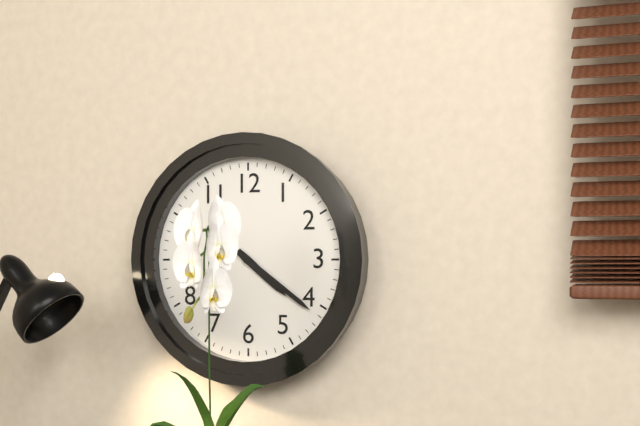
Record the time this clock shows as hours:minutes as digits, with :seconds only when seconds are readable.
4:21
